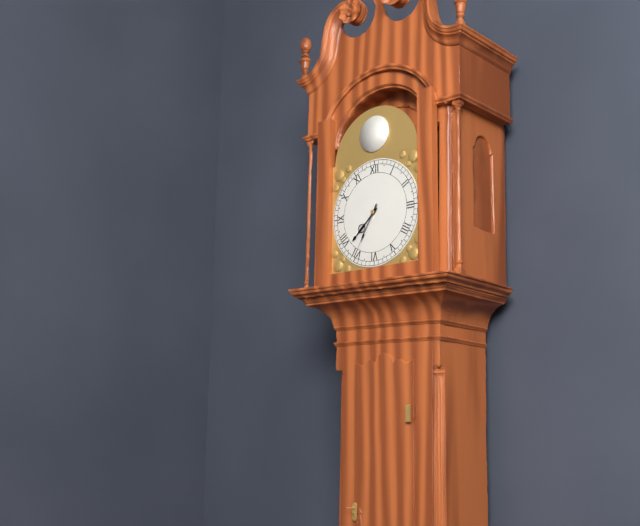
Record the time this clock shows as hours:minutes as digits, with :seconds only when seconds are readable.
7:35
